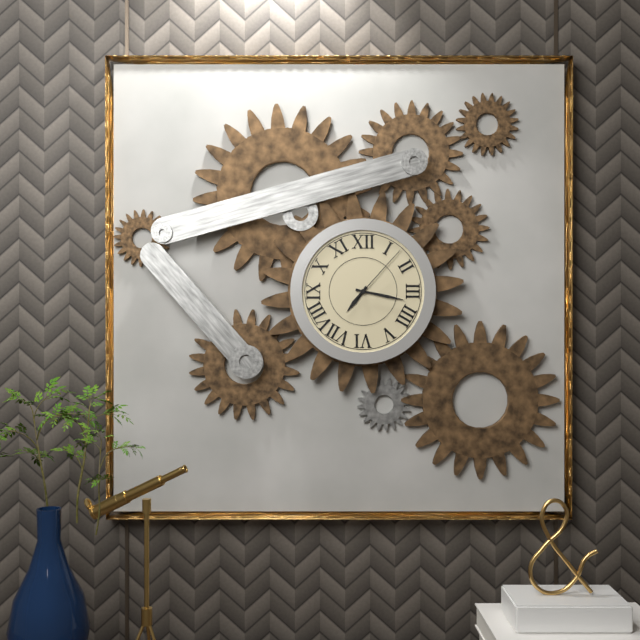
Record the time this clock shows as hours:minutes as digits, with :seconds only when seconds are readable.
7:17:07
